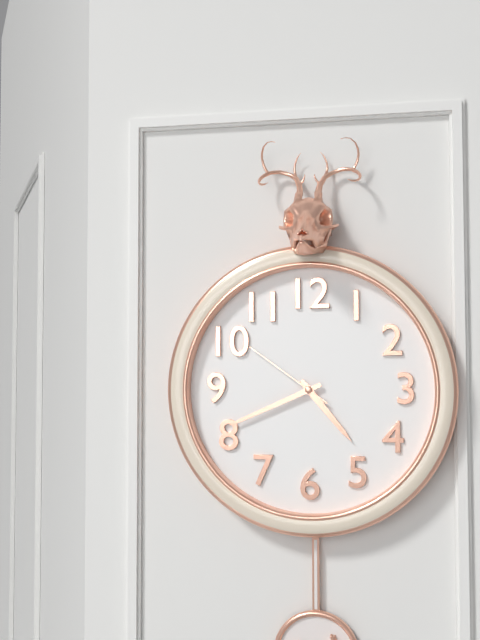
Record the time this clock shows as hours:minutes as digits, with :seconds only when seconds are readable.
4:41:51
